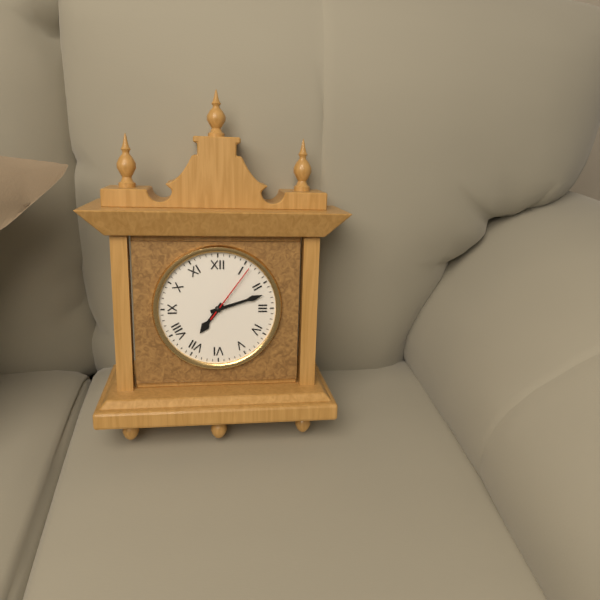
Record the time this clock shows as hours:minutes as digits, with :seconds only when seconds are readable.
7:12:06
